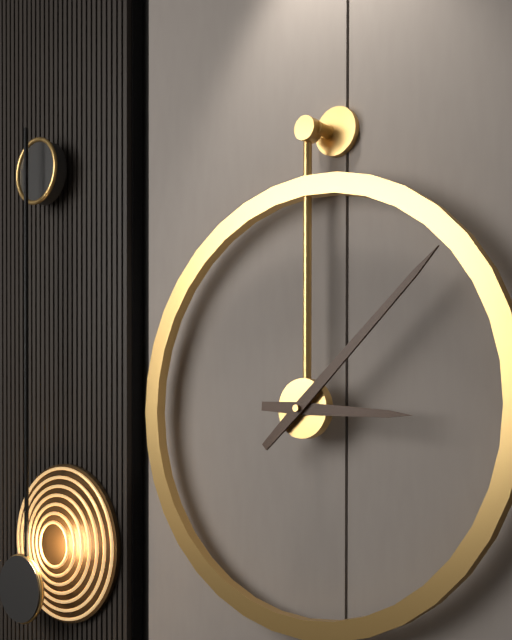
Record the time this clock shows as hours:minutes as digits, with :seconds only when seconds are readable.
3:08
